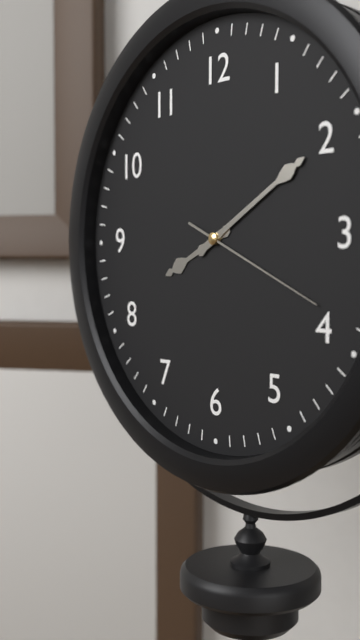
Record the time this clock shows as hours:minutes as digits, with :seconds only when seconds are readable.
8:10:19
